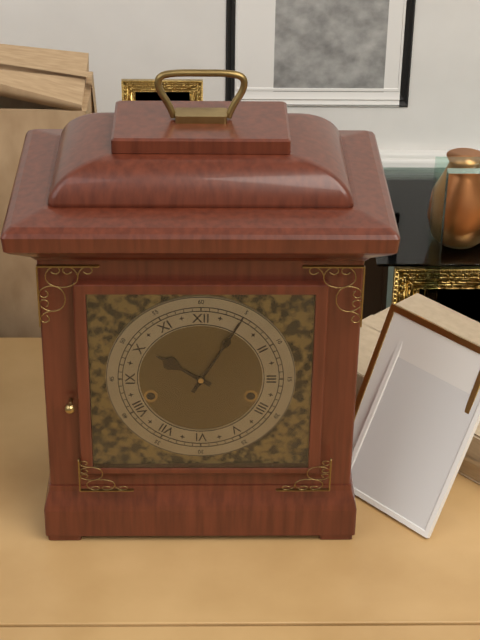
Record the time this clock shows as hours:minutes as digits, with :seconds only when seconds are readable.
10:05
